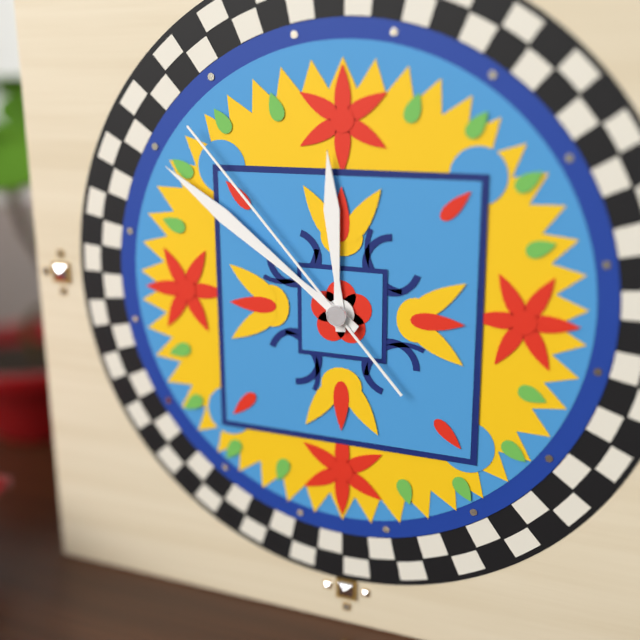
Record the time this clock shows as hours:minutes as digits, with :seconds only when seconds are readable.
11:51:53
